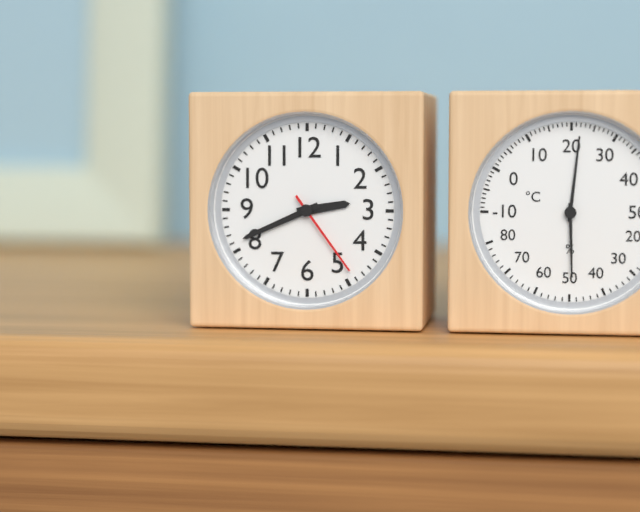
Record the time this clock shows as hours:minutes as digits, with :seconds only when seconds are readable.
2:41:24
